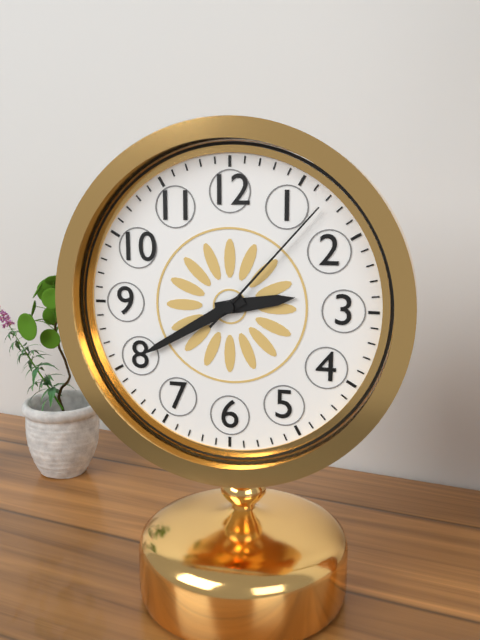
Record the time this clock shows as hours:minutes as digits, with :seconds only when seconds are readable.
2:40:07
